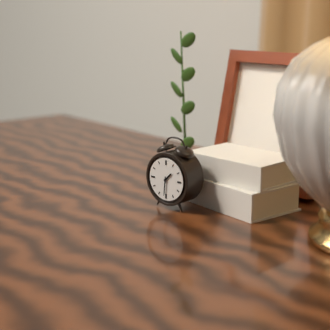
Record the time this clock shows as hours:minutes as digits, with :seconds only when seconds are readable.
1:31
